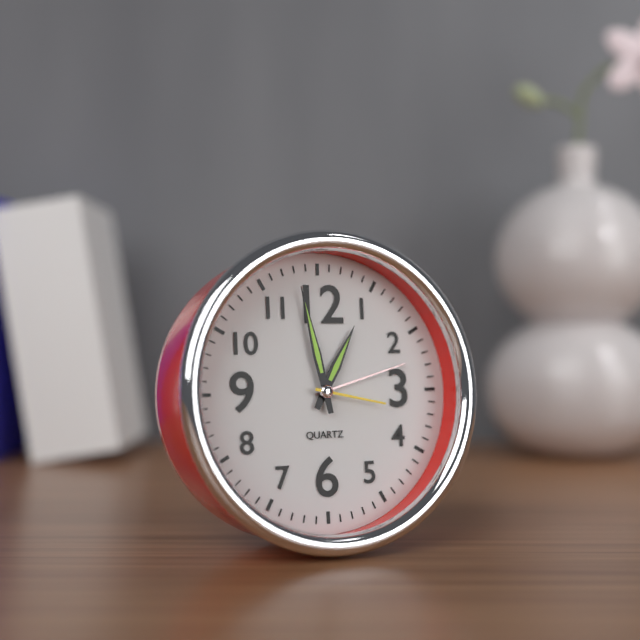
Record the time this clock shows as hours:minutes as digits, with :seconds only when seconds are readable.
12:58:17
